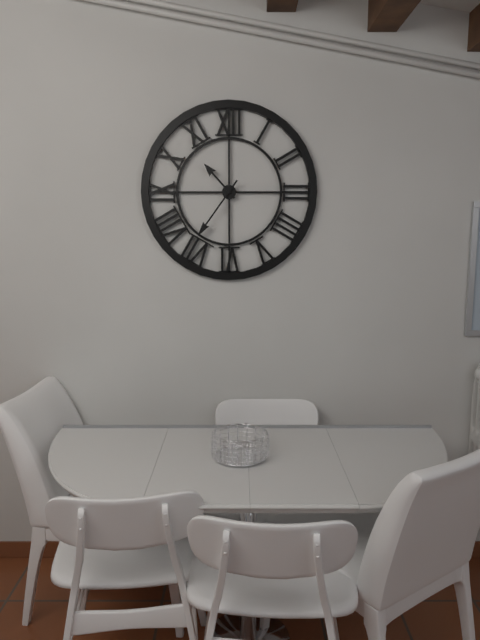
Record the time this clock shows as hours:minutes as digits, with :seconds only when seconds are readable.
10:36
